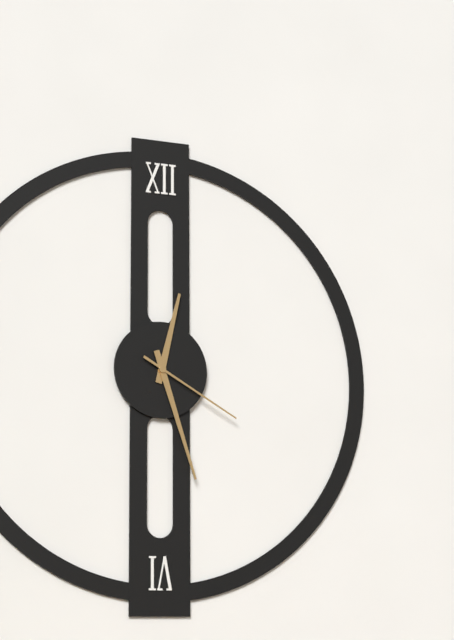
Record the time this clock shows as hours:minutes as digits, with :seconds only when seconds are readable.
12:27:20
